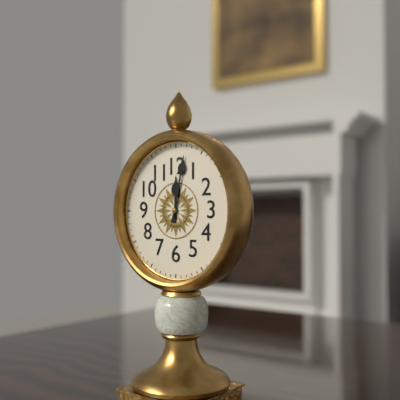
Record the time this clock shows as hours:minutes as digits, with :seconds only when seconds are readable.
12:02
